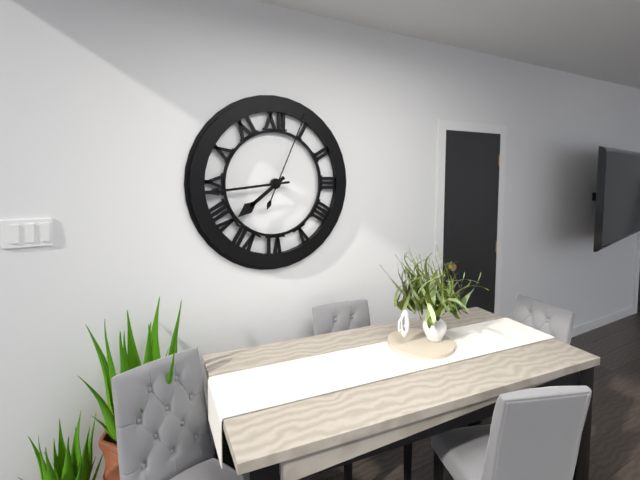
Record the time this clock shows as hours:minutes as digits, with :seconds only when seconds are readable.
7:44:04
